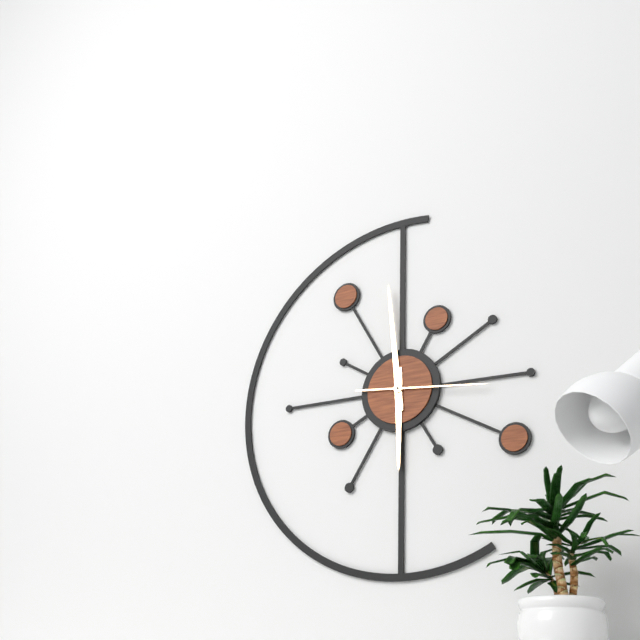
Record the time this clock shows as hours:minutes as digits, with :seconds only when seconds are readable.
5:59:16
